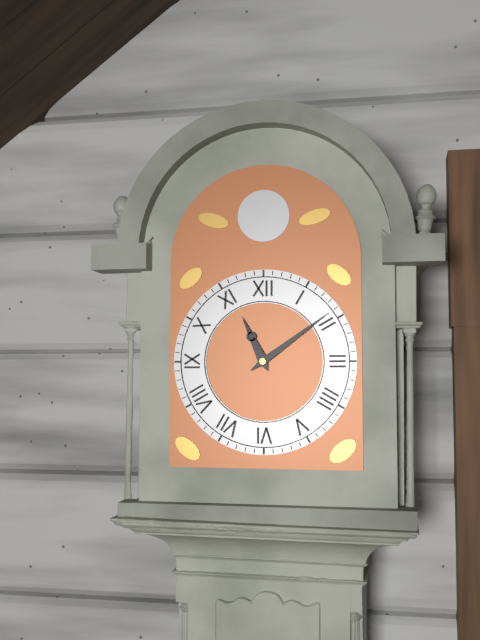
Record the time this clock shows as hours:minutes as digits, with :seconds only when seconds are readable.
11:09
